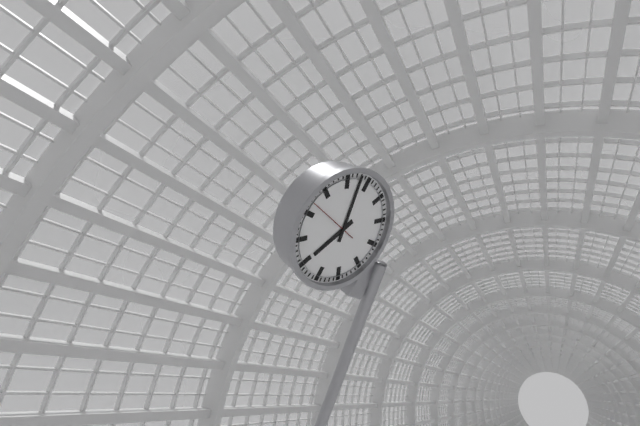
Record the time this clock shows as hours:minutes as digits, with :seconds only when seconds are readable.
6:58
